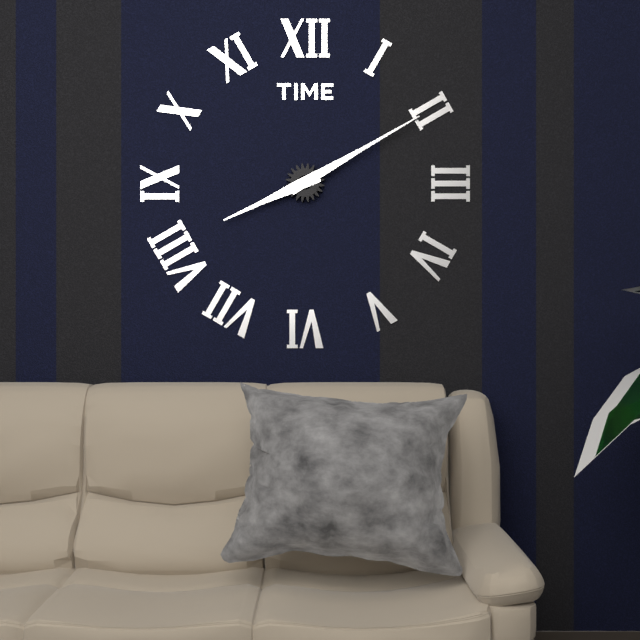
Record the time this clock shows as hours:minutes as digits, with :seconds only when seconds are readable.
8:10
